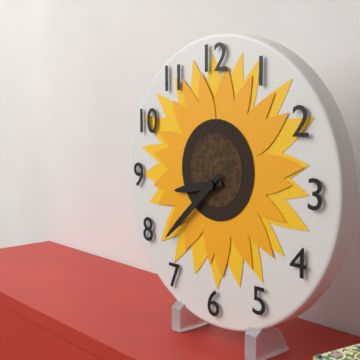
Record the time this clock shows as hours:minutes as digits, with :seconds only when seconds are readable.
8:38
